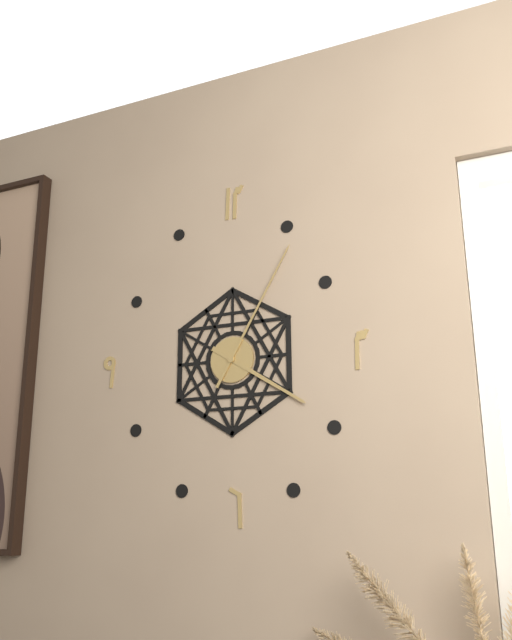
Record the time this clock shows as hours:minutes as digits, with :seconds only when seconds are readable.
4:05
